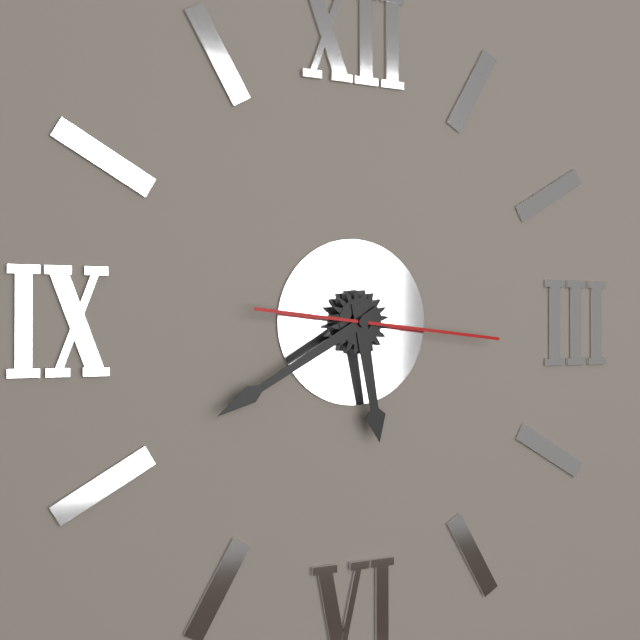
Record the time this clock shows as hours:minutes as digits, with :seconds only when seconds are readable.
5:40:16
